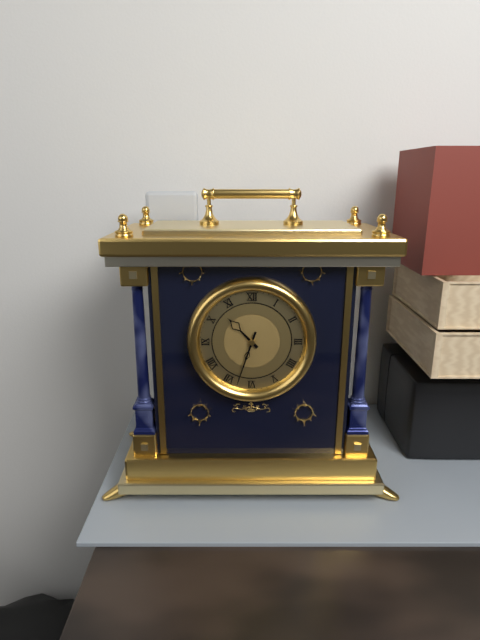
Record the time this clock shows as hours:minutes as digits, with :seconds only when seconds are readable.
10:33
